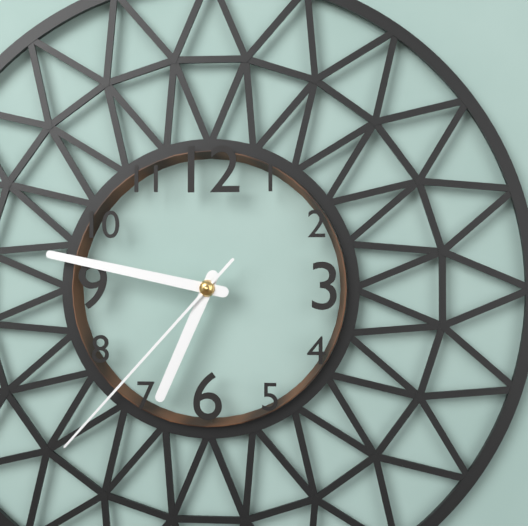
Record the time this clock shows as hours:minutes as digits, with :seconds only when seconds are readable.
6:47:37
